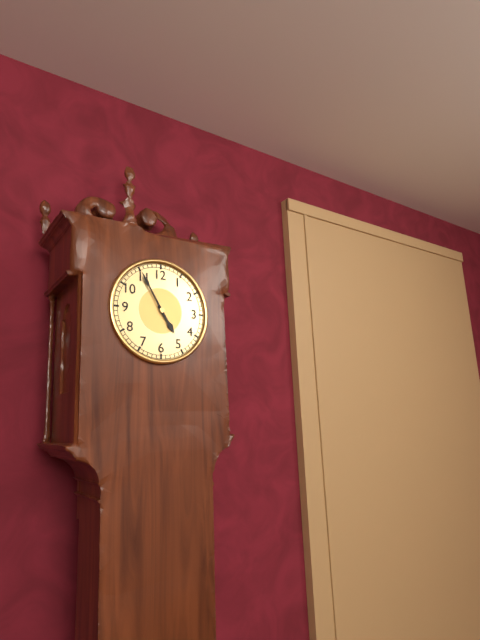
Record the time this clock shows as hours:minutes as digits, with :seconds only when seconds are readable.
4:55
